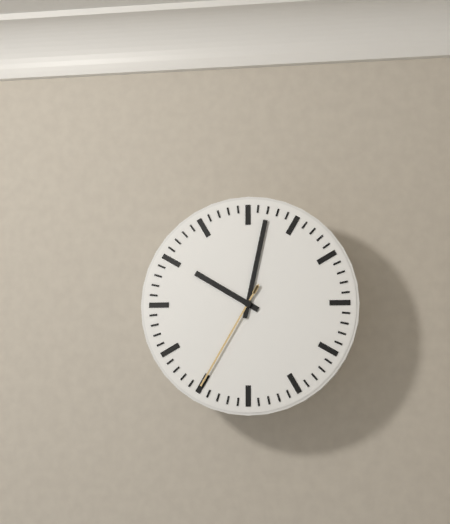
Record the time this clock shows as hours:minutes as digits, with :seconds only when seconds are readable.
10:02:35
